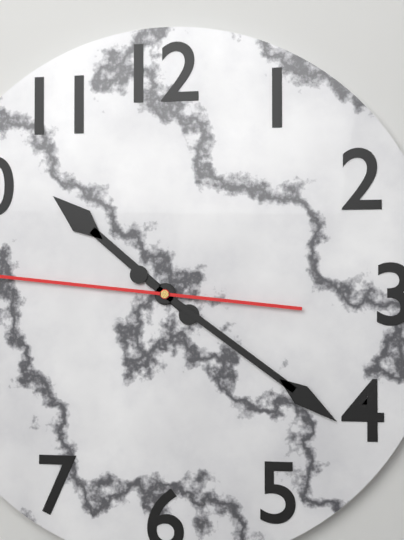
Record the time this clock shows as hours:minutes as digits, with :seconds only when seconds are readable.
10:21
